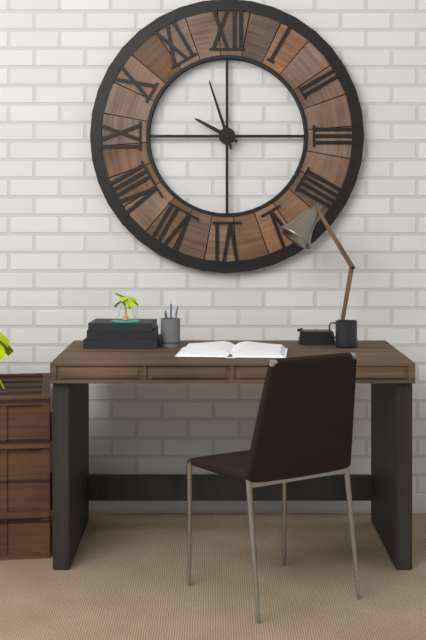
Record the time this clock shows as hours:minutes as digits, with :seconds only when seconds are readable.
9:57
